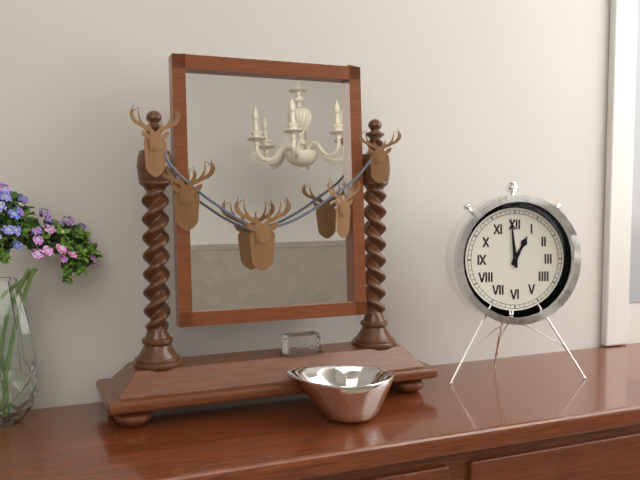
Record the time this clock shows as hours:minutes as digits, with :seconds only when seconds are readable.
12:59
